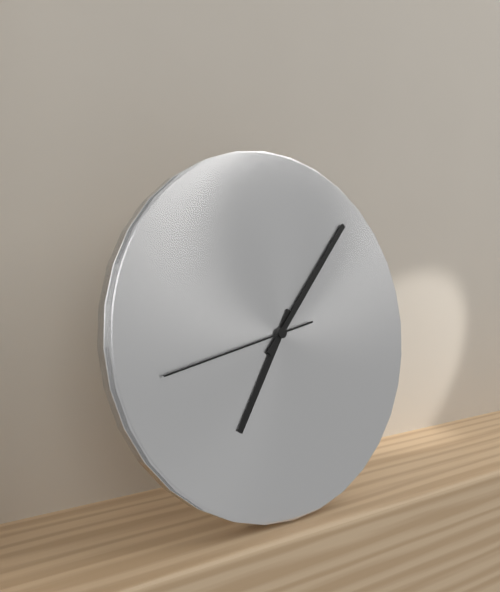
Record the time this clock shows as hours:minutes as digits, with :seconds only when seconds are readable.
7:07:43
